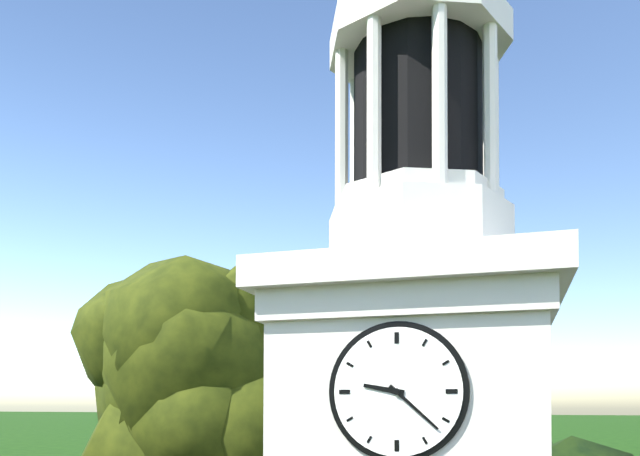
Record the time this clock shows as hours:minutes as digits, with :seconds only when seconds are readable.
9:22
